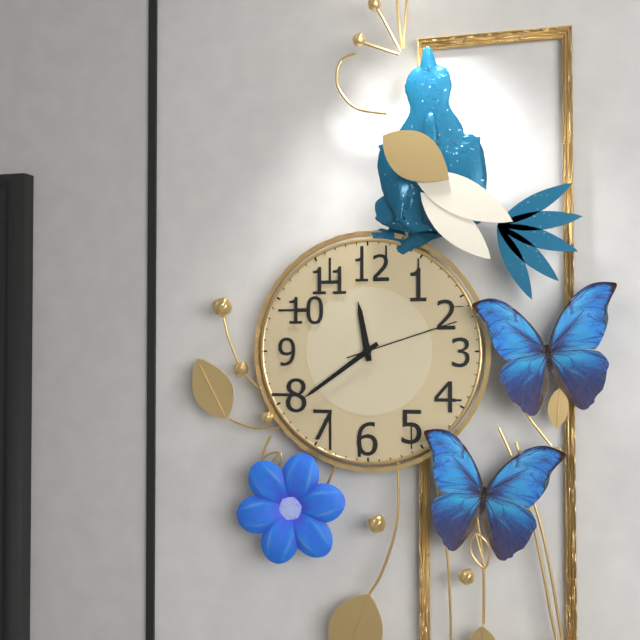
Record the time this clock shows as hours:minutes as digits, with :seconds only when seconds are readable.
11:39:12
